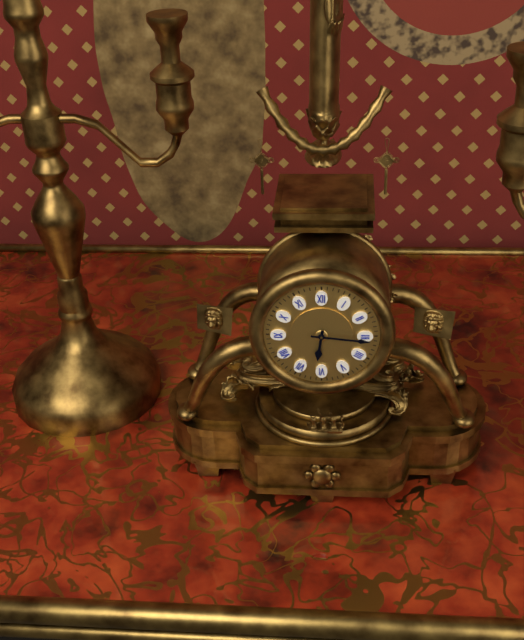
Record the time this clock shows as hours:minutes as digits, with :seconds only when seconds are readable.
6:16
